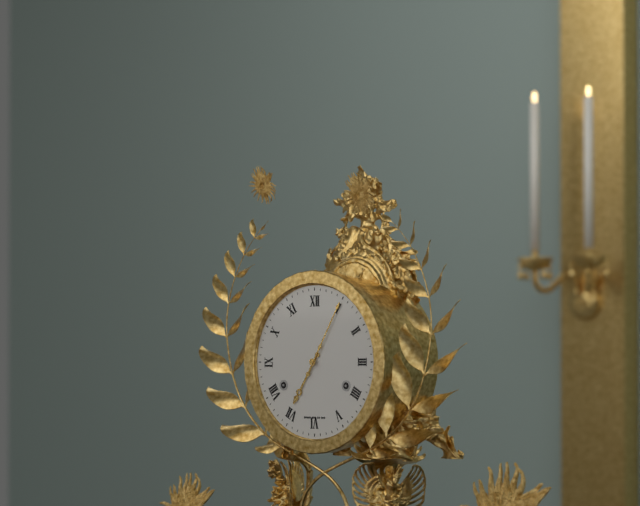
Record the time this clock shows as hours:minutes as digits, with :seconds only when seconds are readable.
7:05
